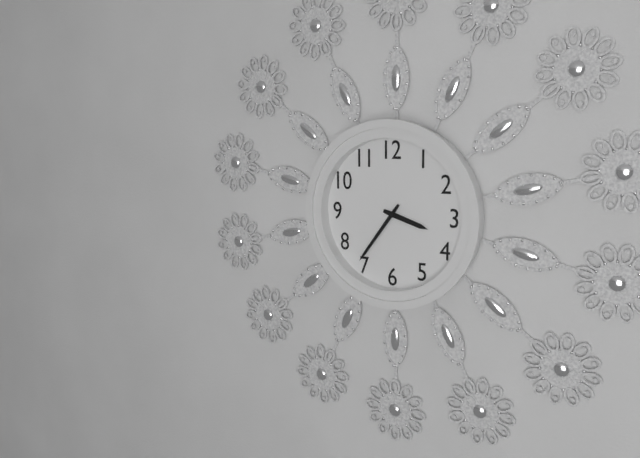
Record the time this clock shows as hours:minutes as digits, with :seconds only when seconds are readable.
3:36
